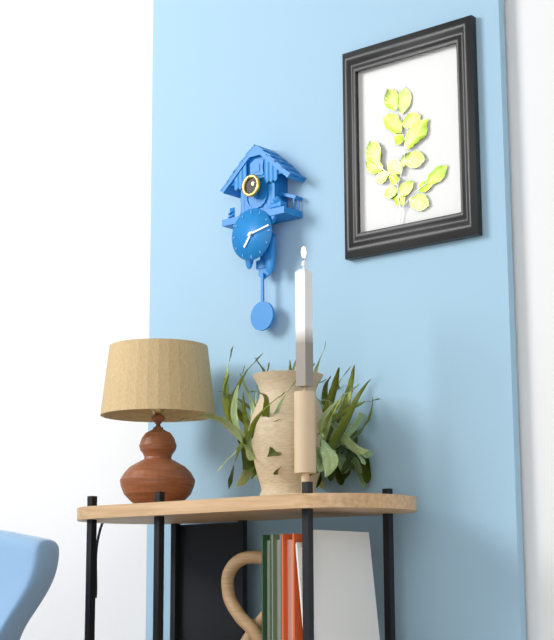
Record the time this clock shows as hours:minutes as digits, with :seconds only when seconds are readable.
7:13
